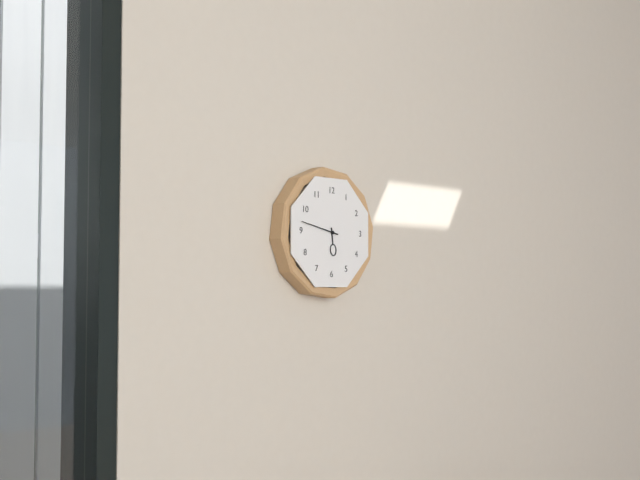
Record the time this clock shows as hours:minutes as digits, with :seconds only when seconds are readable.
5:47
